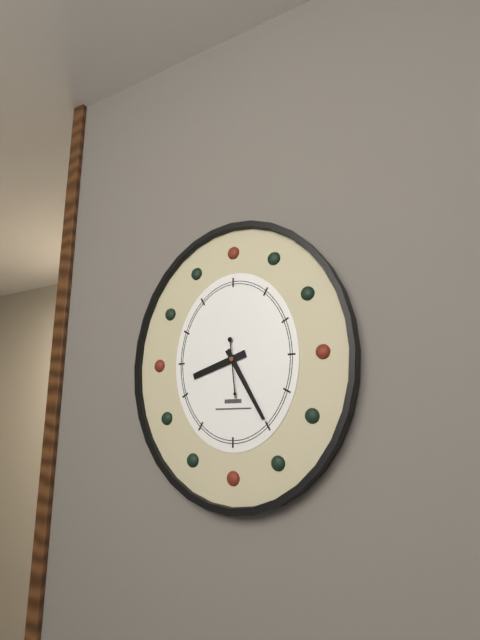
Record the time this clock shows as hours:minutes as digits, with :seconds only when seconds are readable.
8:25
